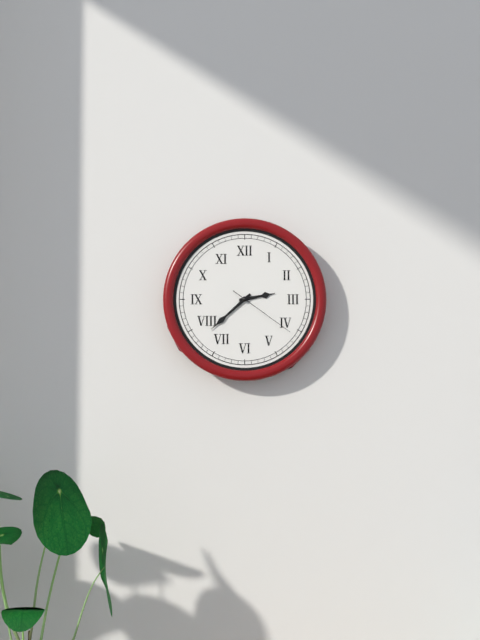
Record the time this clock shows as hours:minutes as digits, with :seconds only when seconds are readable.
2:38:21
